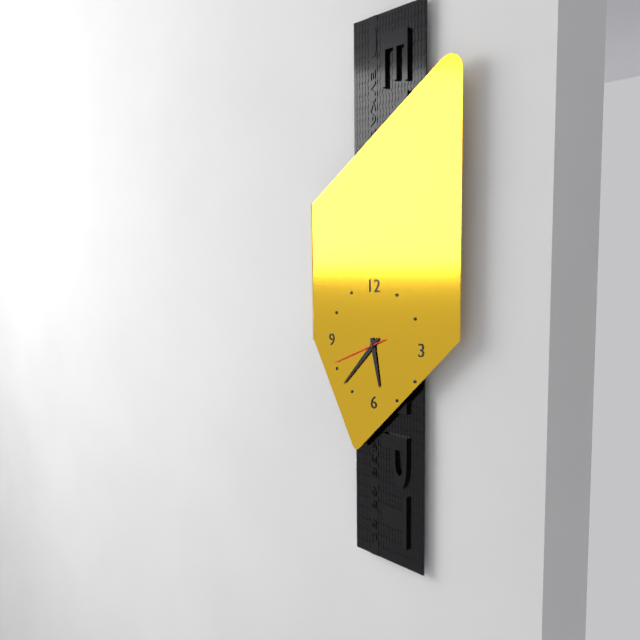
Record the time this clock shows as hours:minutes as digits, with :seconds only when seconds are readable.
5:37:41
